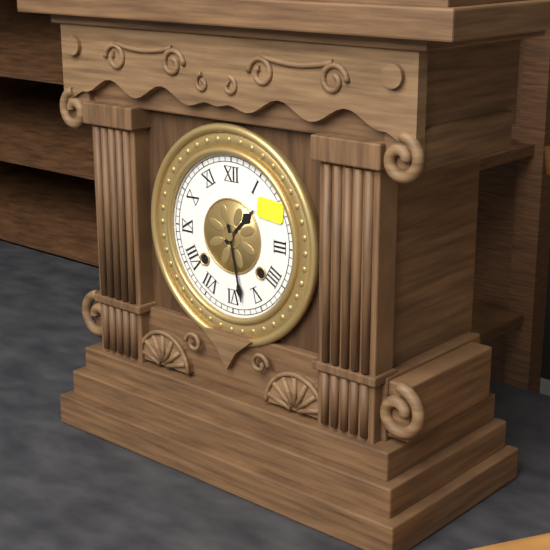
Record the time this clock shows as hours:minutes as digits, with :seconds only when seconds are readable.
1:28
